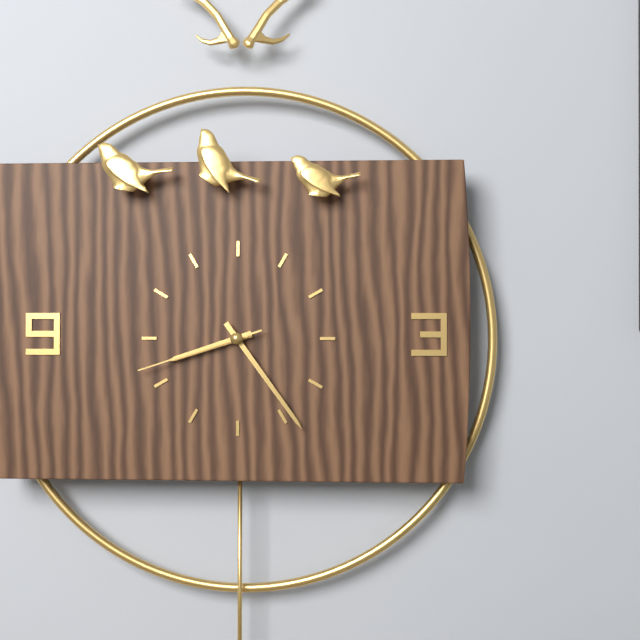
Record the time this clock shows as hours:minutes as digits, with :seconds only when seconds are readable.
8:24:42
